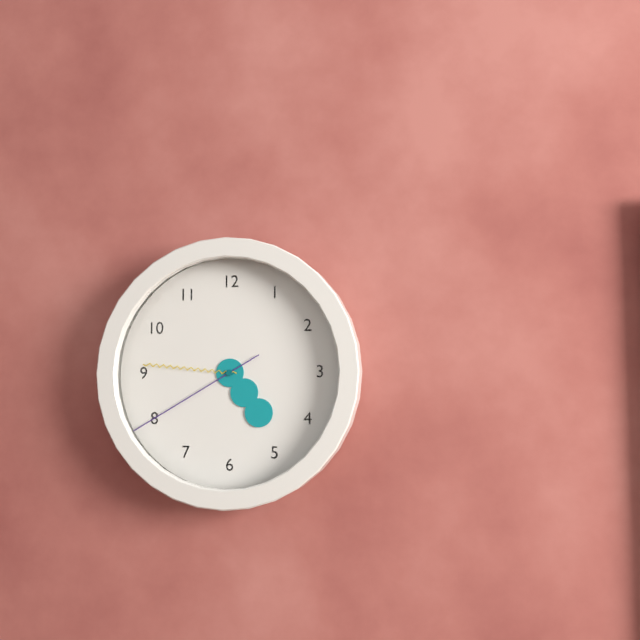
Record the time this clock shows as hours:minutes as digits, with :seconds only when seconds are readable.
4:46:40
